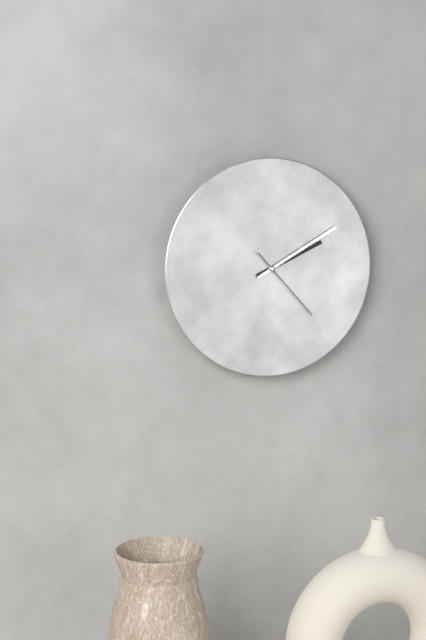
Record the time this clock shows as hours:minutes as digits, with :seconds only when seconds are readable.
2:10:23
